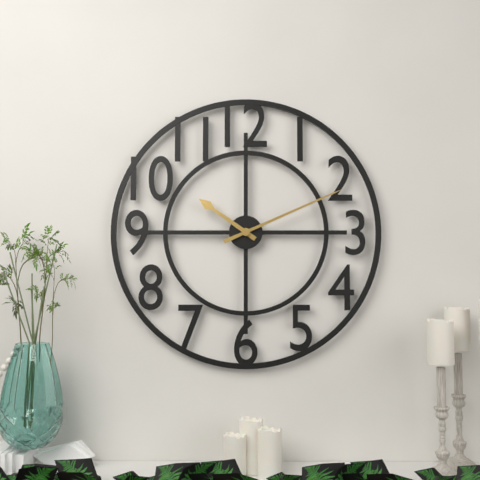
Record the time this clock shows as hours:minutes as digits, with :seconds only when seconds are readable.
10:11
